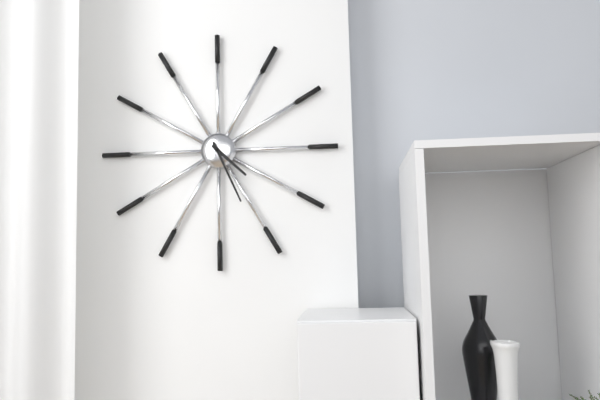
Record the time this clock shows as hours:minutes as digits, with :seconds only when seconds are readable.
4:26
